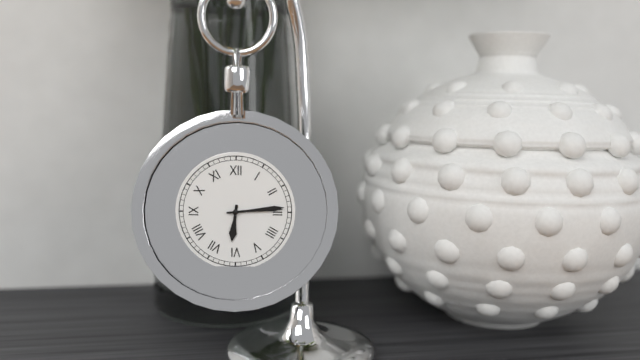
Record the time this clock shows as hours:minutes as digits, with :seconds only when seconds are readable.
6:14
